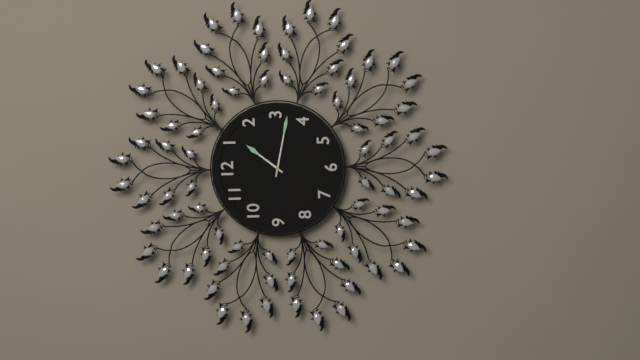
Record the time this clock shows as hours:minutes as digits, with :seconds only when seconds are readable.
1:17
